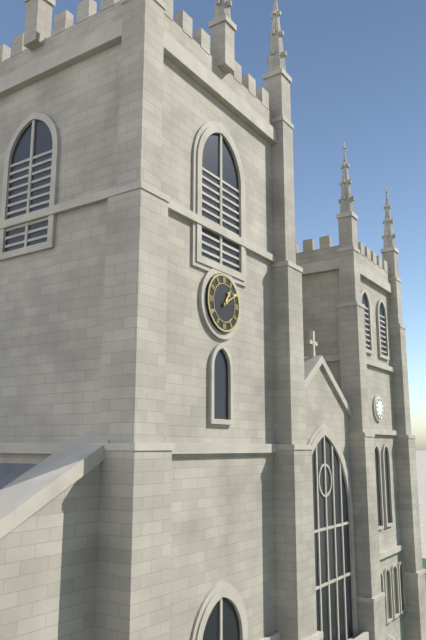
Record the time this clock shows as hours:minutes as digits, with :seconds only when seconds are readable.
1:10
